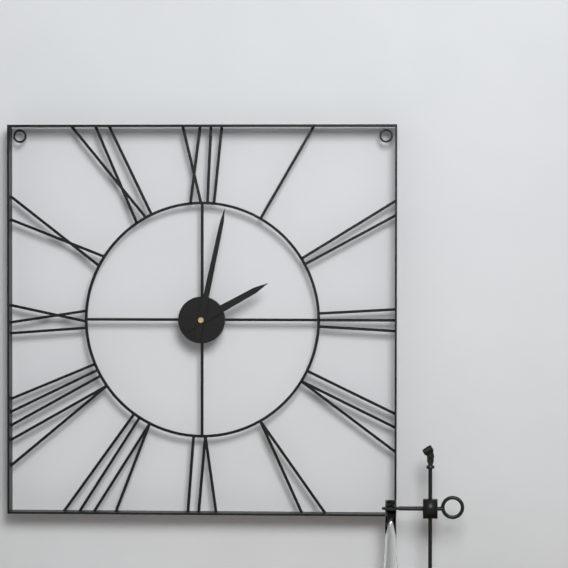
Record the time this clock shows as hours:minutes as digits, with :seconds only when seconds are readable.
2:02
